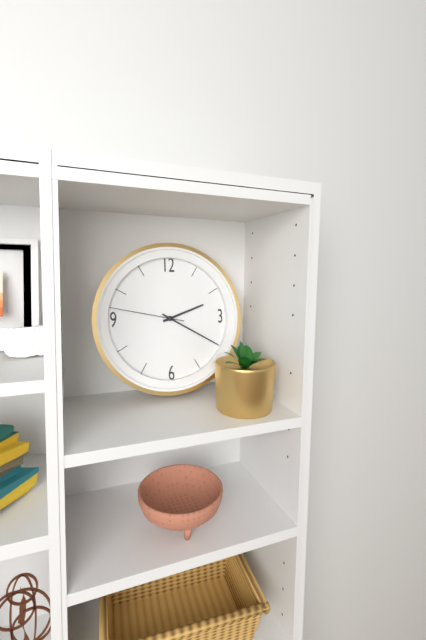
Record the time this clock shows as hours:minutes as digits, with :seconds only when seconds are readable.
2:20:47
